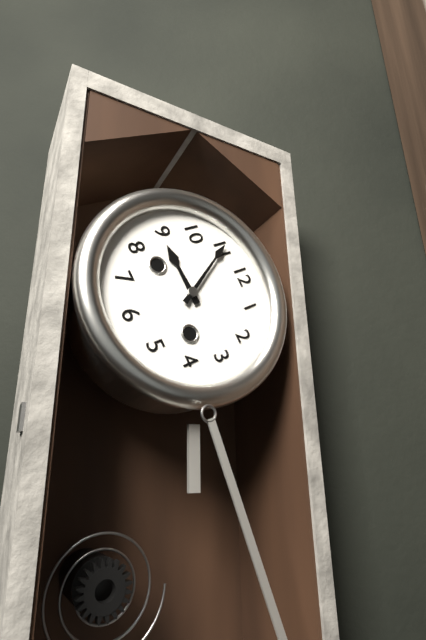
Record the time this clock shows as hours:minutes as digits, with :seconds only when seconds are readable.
8:55
